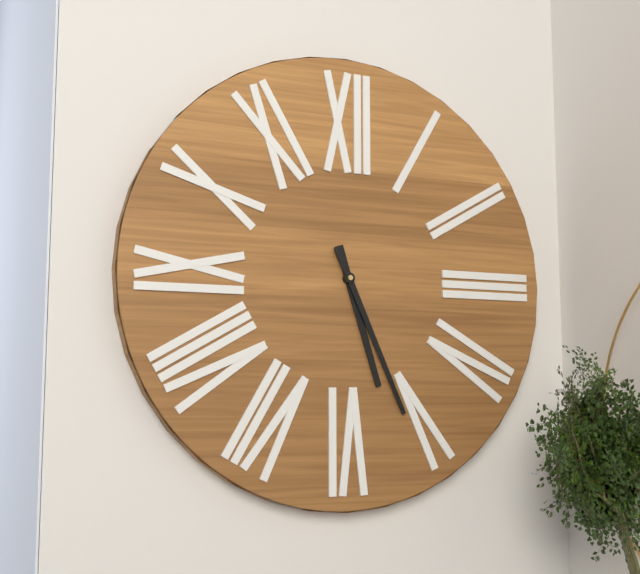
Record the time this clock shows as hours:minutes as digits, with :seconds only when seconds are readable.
5:26
